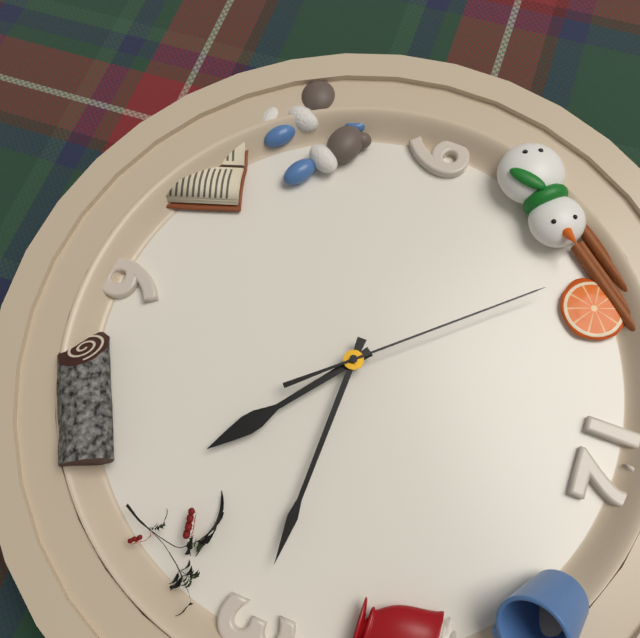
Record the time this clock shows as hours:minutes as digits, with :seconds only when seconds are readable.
4:15:53
